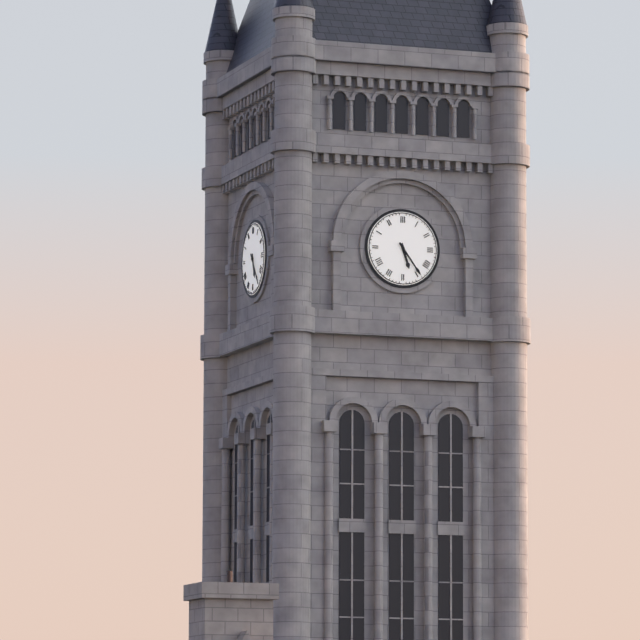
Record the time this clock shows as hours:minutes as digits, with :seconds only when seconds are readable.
5:24
